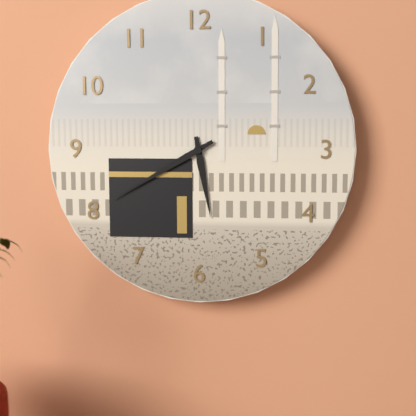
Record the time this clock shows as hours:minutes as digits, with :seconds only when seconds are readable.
5:40
